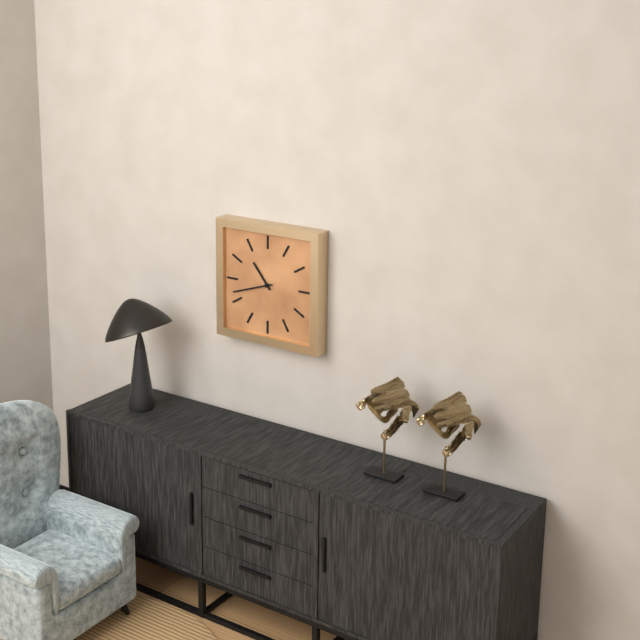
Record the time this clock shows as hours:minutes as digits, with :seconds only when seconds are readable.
10:42
